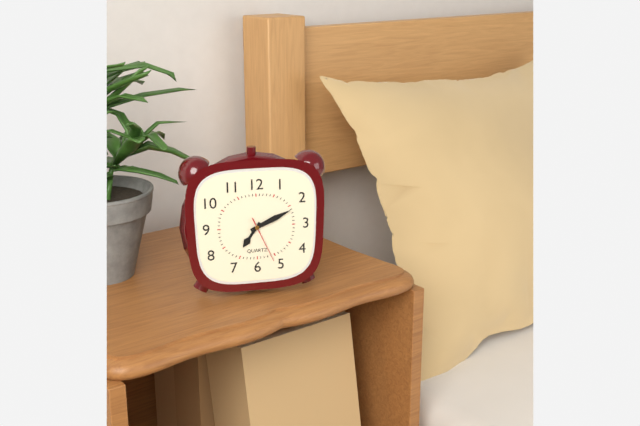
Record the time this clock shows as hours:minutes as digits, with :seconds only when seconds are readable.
7:11
